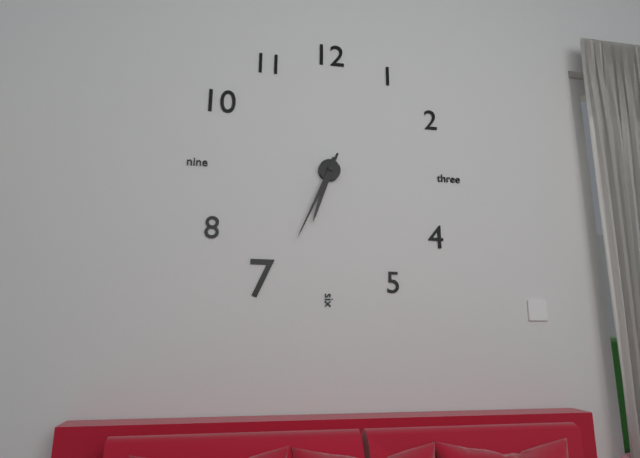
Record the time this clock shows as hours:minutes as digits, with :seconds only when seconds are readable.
6:34
